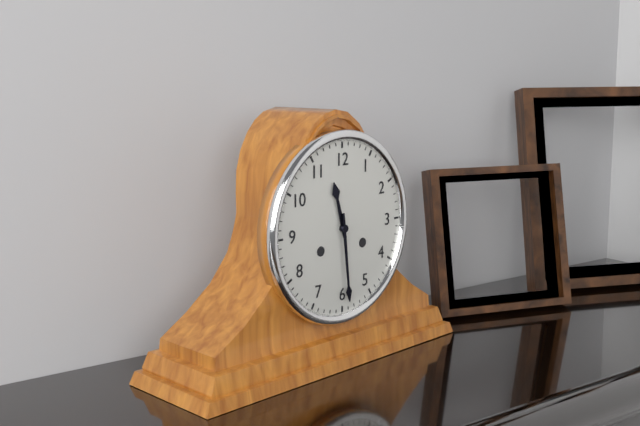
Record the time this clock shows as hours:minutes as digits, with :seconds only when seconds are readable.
11:29
